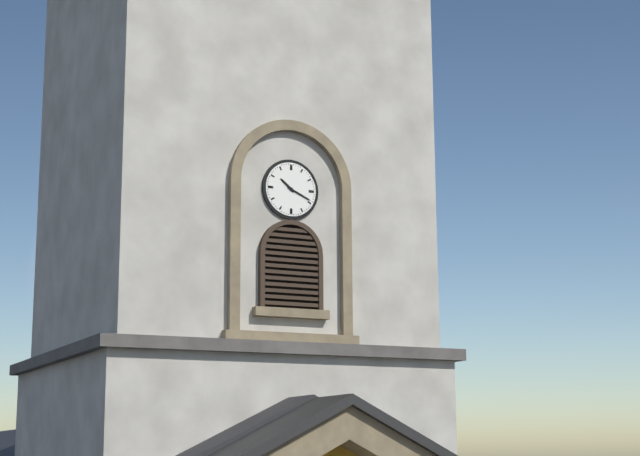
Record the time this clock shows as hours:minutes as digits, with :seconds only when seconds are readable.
10:19
